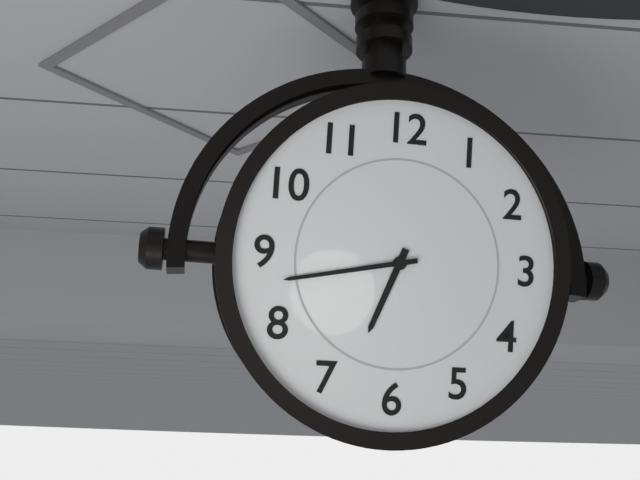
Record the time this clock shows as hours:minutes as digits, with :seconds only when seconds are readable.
6:43
